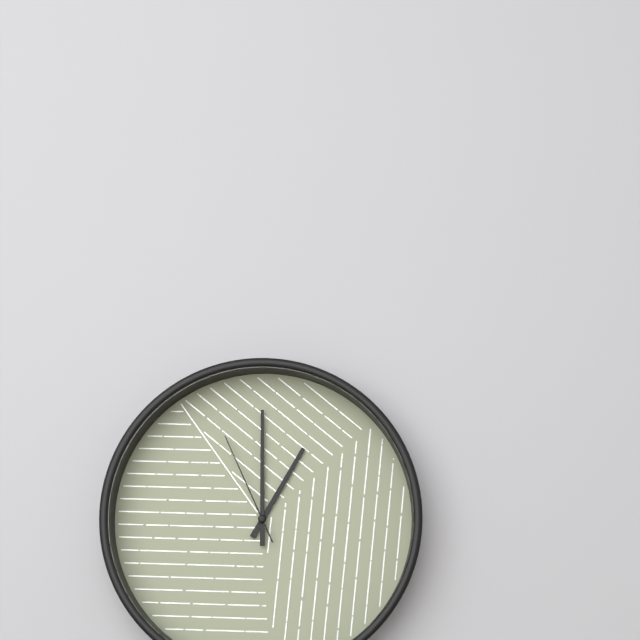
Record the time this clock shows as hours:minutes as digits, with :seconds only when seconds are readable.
1:00:56
